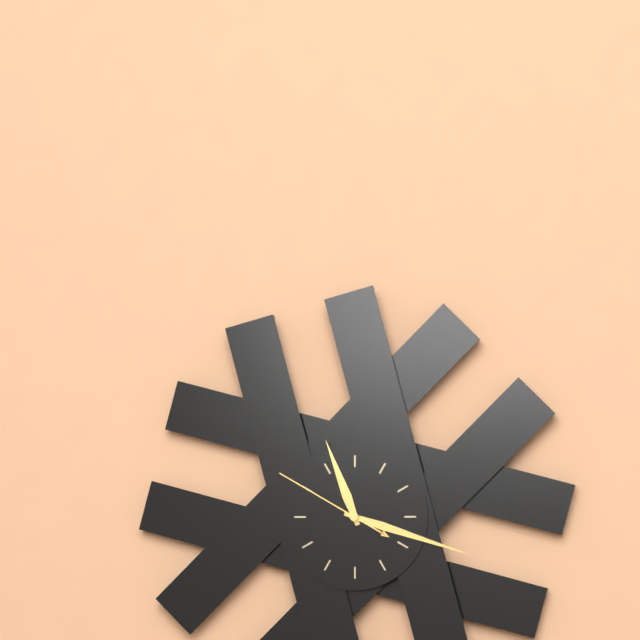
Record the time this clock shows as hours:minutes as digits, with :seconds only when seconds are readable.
11:18:50
